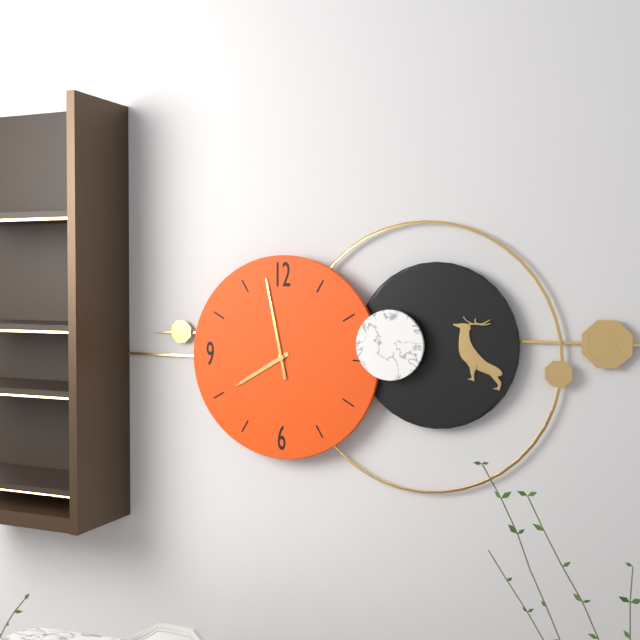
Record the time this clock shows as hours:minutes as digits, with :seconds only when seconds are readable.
7:58
